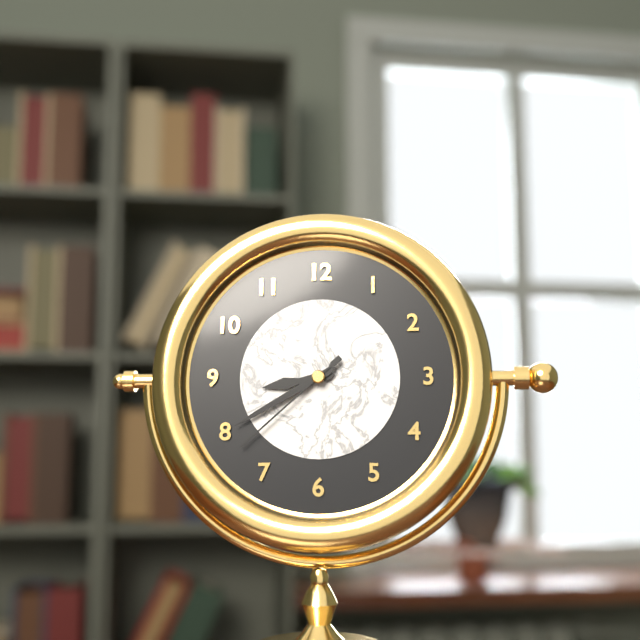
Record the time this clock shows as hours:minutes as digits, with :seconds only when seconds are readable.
8:40:38
